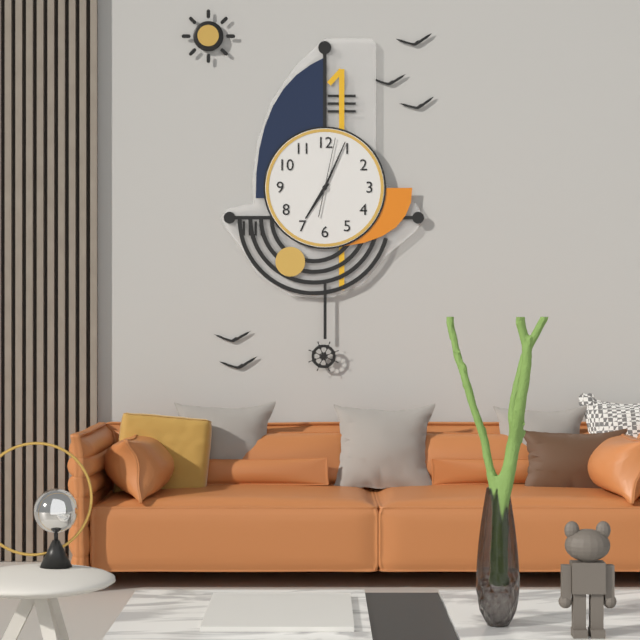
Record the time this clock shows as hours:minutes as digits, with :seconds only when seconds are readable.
7:04:02
